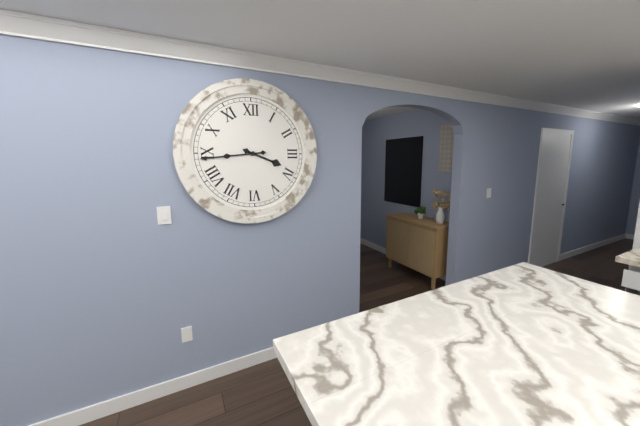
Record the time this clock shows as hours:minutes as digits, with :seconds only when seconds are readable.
3:44
